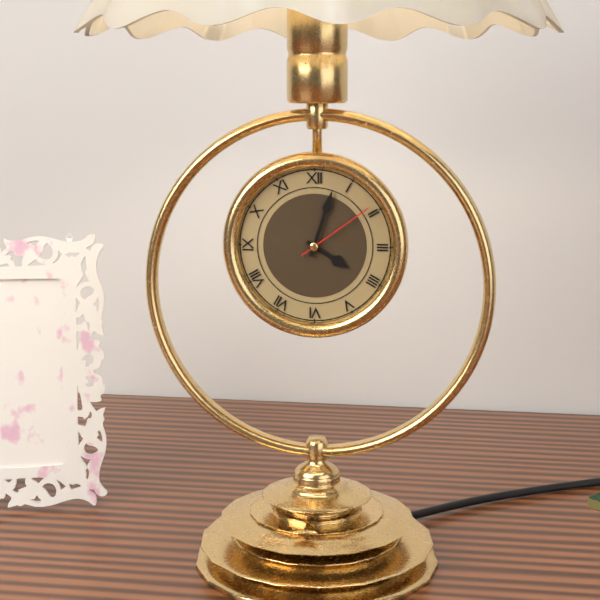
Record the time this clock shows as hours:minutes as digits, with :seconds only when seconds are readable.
4:03:09
